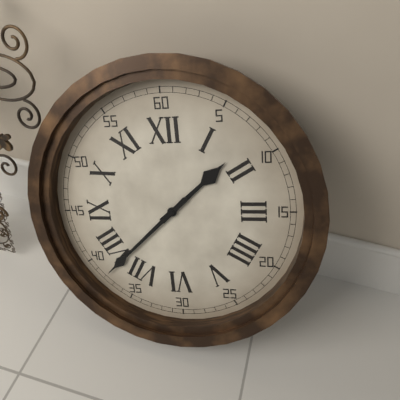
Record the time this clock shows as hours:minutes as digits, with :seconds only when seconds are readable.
1:38
